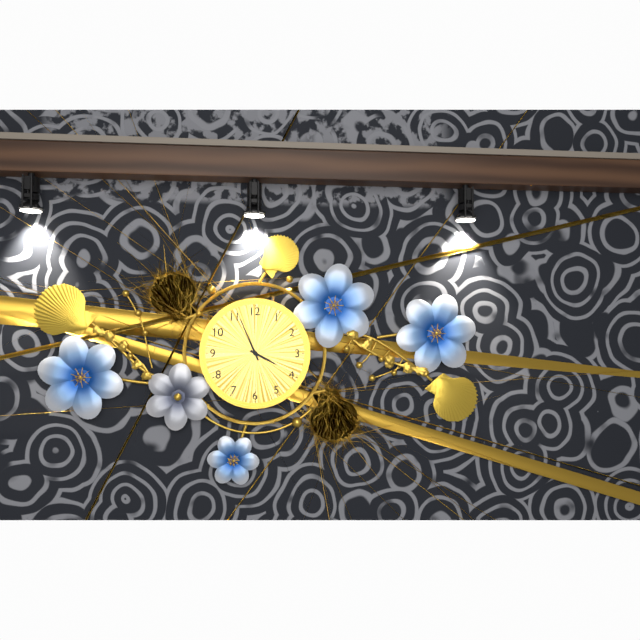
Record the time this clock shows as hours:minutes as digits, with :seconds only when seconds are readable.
3:56
